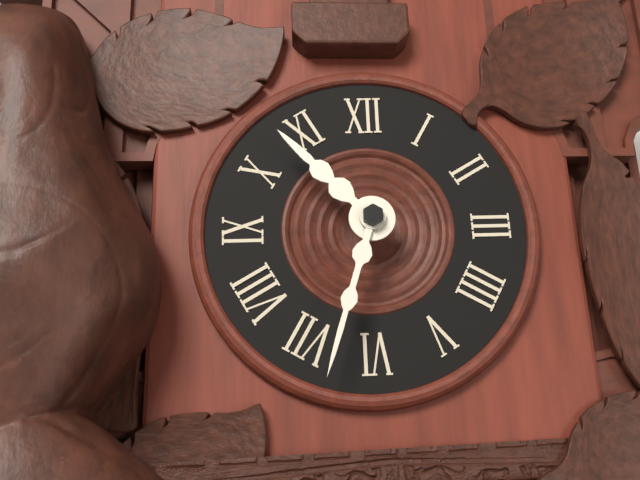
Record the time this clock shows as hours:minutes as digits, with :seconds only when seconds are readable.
10:33
